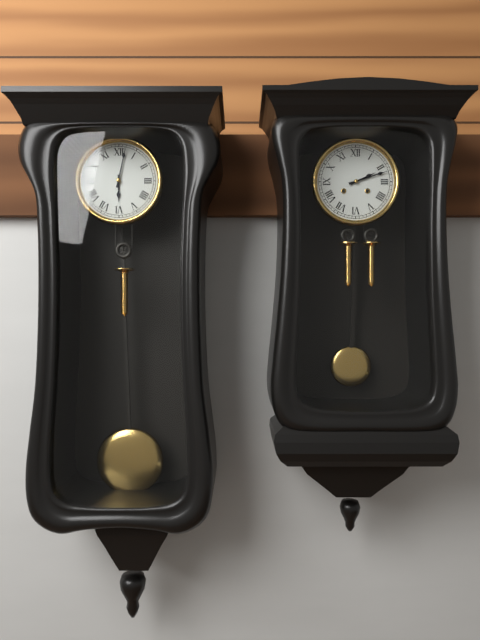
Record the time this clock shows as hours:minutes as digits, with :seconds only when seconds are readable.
6:02
